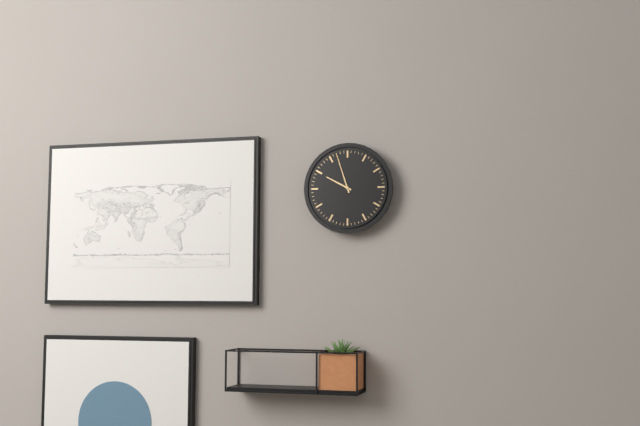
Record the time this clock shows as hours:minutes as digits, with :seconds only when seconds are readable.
9:57
